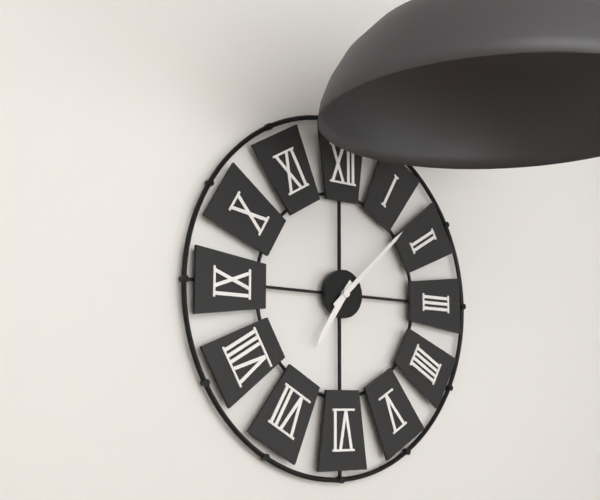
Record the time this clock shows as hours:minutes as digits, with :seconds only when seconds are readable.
7:08
